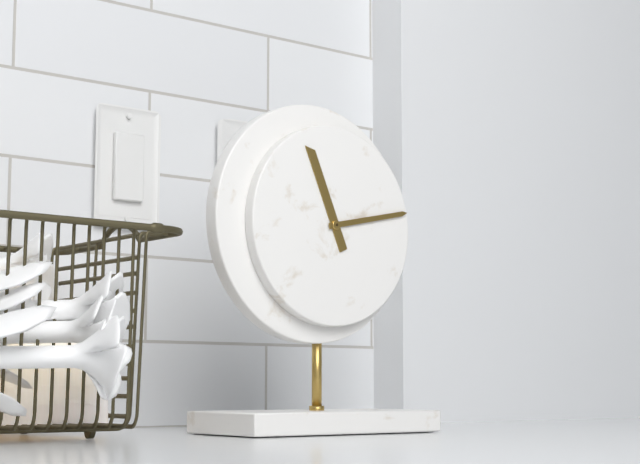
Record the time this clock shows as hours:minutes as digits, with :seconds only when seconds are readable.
11:13
